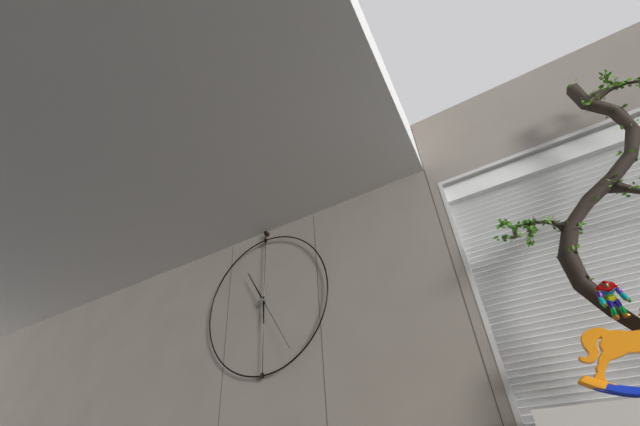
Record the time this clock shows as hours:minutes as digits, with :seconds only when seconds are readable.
5:55:25
